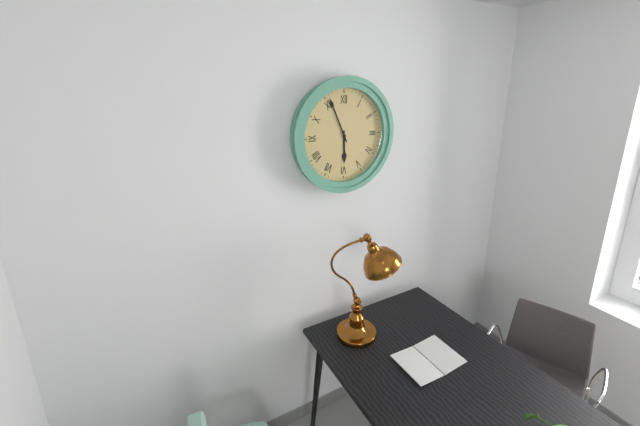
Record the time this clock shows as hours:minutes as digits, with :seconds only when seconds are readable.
5:56
